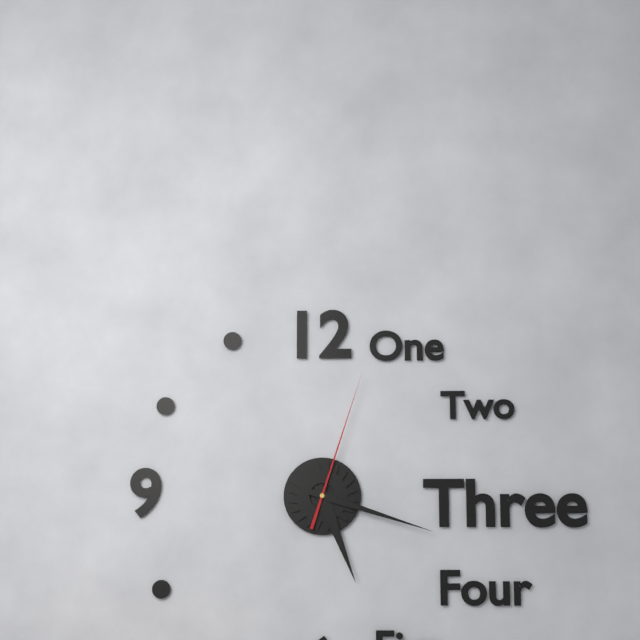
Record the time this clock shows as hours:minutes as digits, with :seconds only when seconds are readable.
5:18:03
